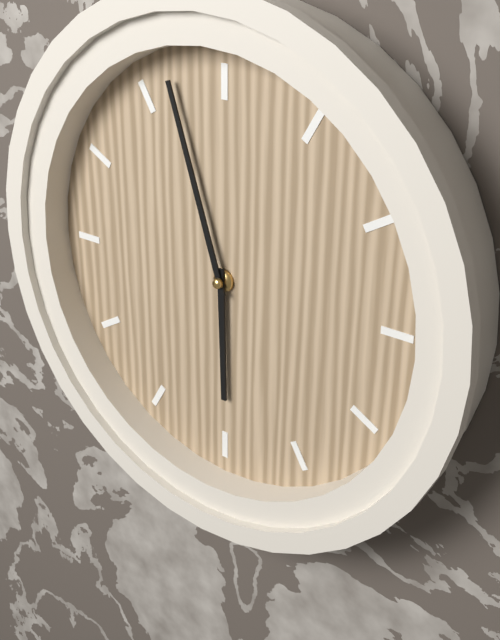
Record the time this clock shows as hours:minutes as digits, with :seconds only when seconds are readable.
5:57
